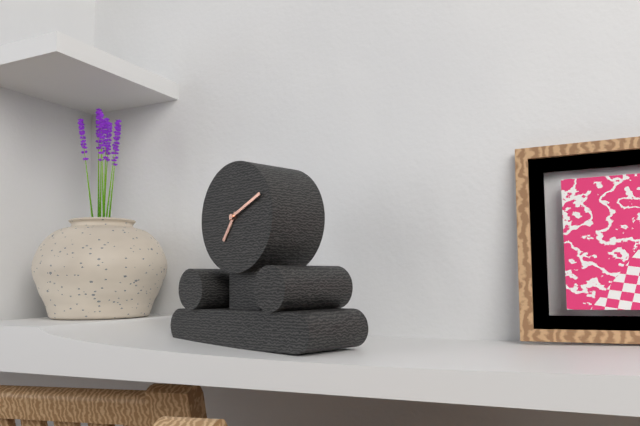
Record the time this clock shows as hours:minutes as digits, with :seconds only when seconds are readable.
7:11
